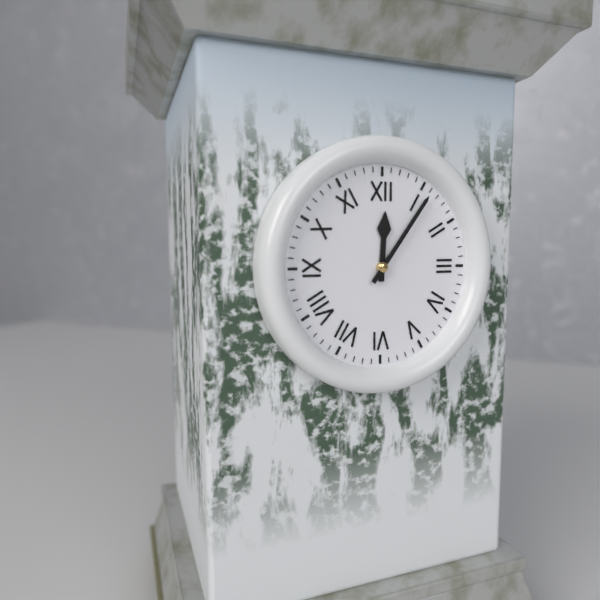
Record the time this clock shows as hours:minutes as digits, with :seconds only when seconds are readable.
12:06
